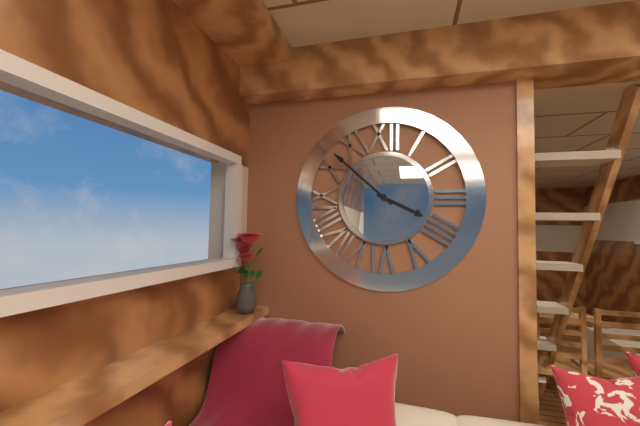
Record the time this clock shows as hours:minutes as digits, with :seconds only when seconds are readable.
3:52
